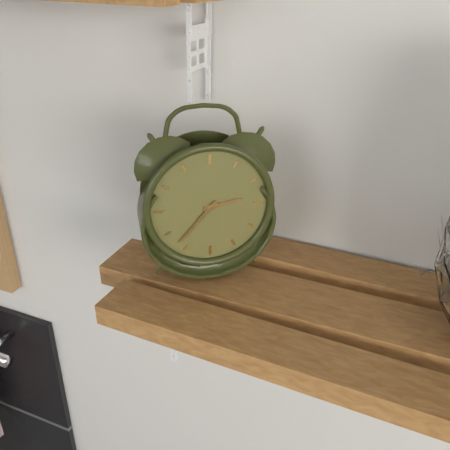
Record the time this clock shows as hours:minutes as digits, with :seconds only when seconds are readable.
2:37
